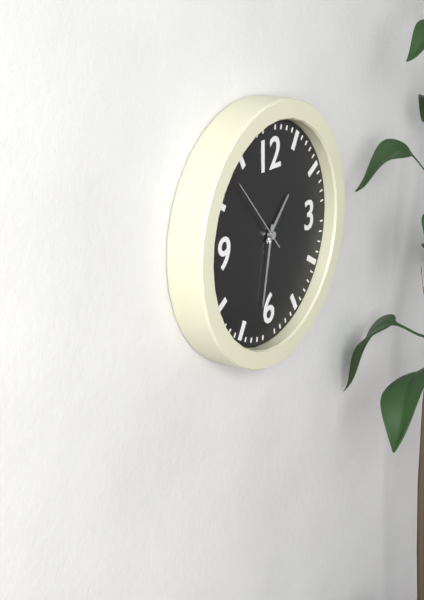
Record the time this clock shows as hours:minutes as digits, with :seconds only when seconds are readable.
1:32:53
